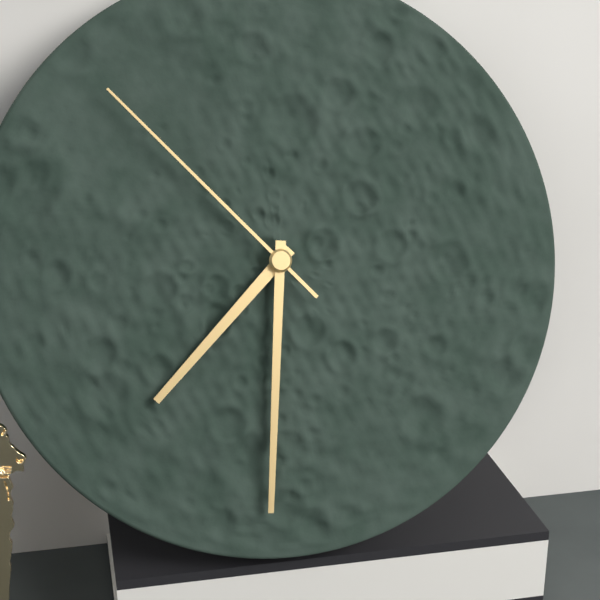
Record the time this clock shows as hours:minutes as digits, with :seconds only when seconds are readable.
7:31:53
